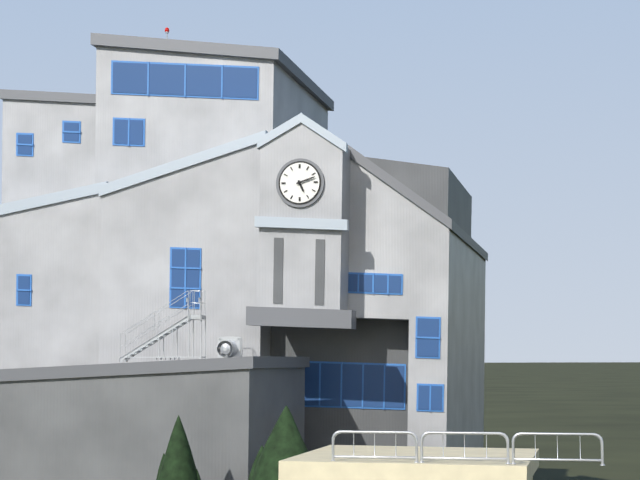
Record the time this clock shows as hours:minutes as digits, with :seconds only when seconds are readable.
5:12
